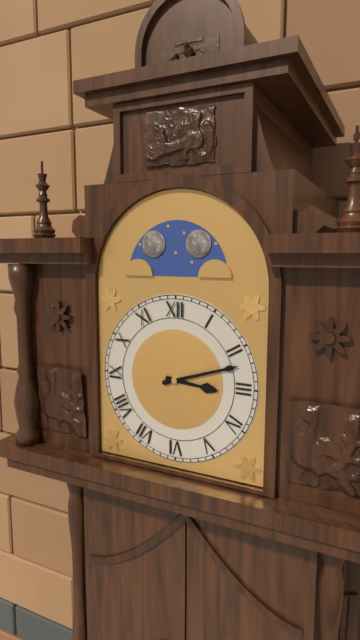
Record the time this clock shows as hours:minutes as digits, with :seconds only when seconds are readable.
3:12
